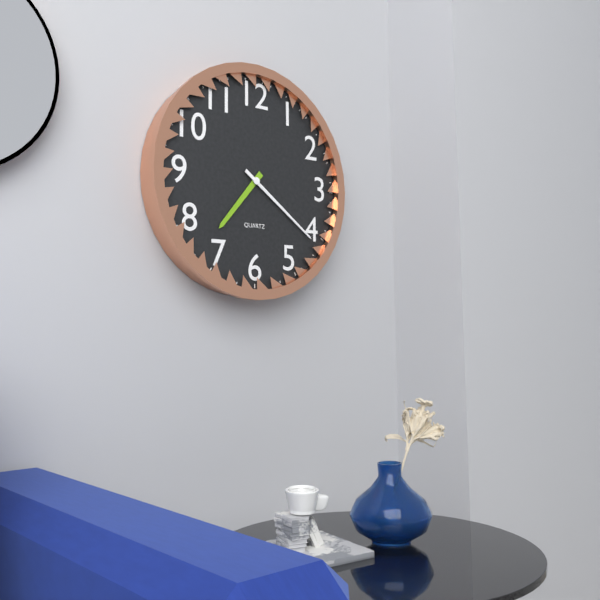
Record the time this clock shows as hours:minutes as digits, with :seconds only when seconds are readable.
7:21
